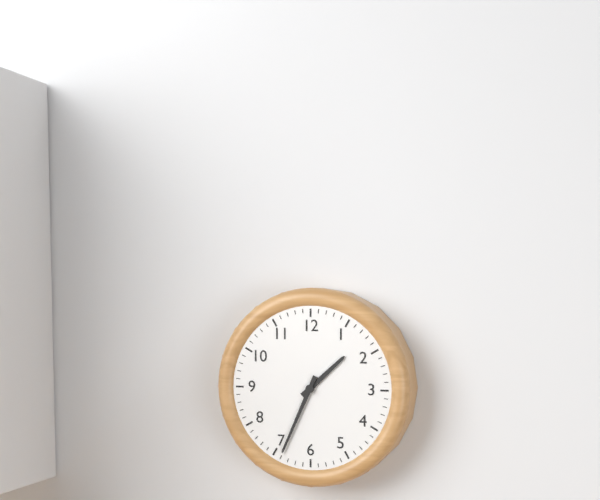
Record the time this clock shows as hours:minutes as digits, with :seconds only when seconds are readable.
1:34
